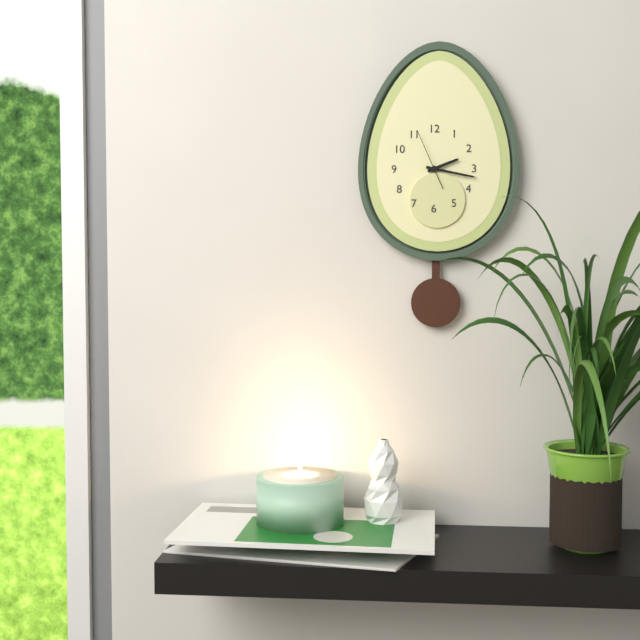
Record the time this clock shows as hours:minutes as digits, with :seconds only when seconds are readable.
2:17:56
